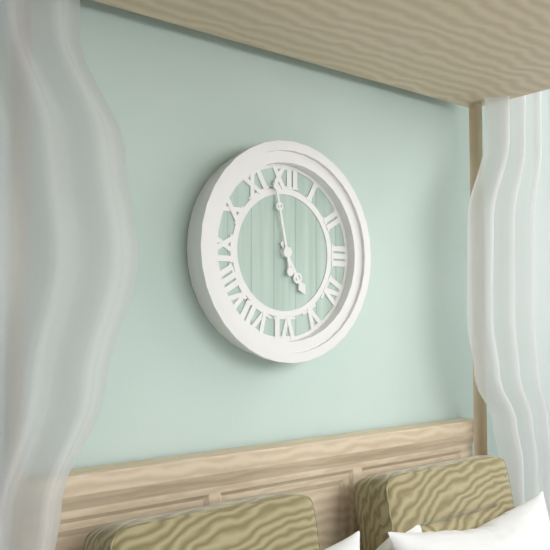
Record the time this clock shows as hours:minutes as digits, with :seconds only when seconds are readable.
4:58
